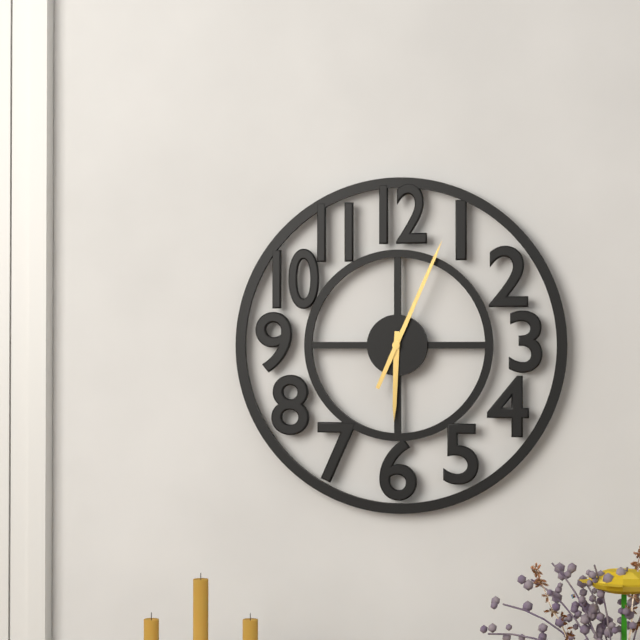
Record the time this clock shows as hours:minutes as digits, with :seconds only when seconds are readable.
6:04
